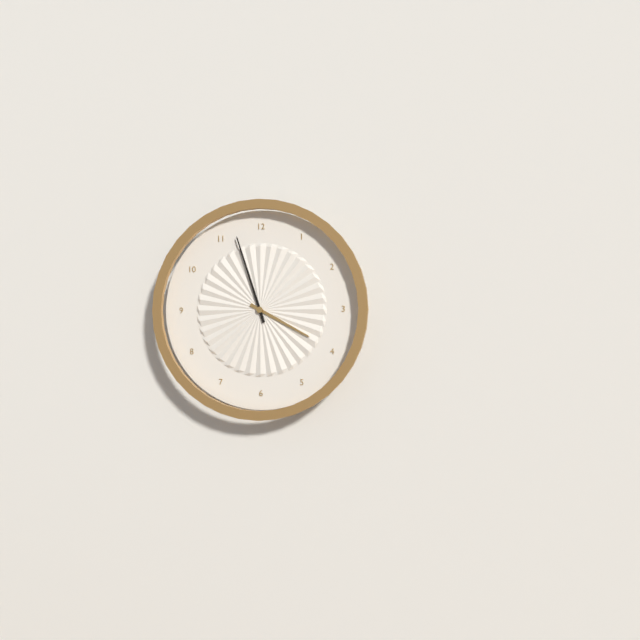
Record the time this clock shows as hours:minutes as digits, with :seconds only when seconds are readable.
3:57
